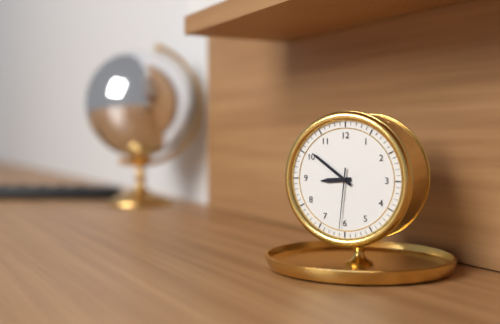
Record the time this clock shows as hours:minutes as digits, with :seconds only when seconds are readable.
8:51:31
